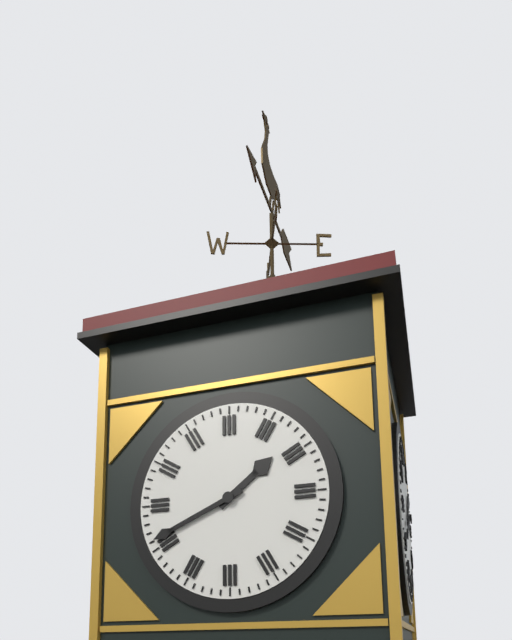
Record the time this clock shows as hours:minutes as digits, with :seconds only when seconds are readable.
1:41
